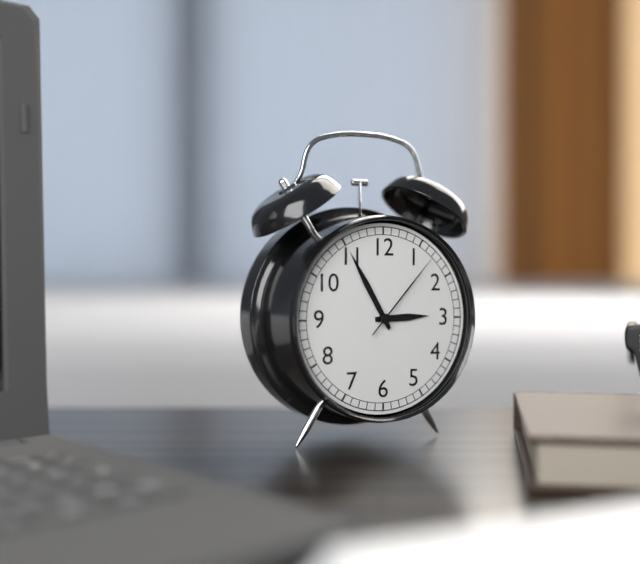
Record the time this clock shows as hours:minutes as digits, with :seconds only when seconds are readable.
2:55:07
